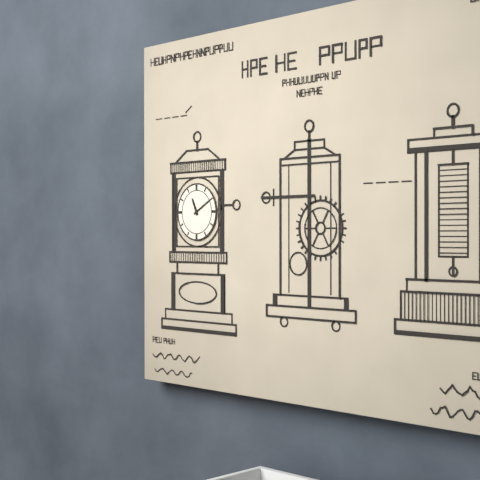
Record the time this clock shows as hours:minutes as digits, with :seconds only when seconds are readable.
11:10
